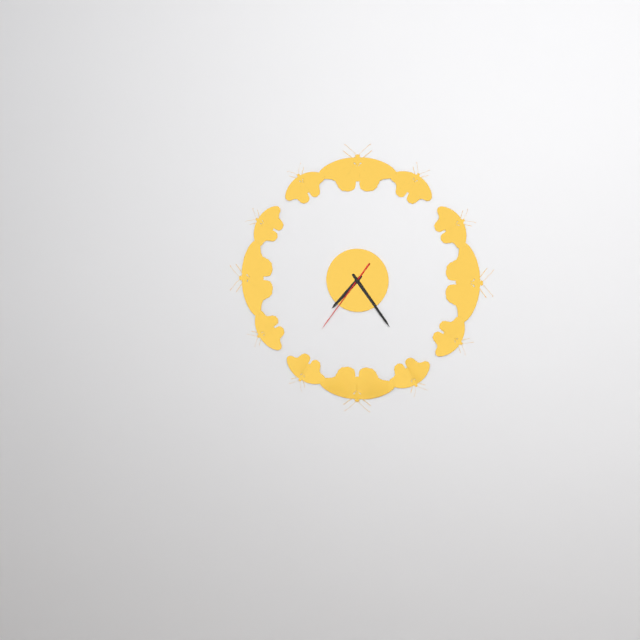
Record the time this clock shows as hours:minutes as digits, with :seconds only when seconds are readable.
7:24:36
